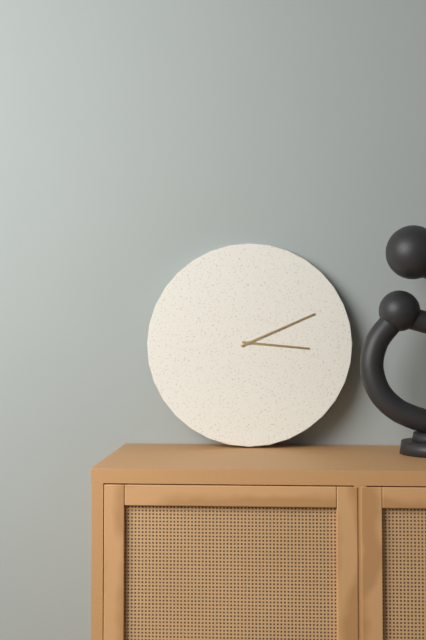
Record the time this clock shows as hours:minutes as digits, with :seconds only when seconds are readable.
3:11
